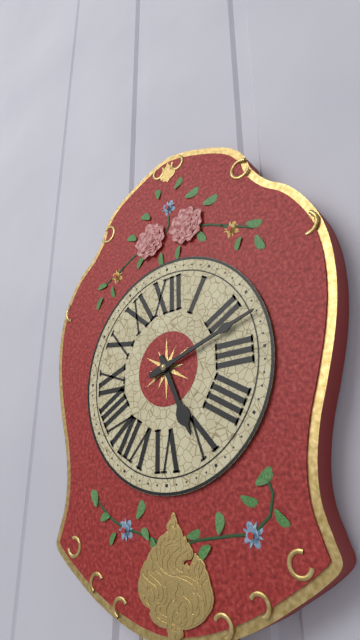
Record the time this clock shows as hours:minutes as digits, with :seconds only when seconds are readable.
5:12
